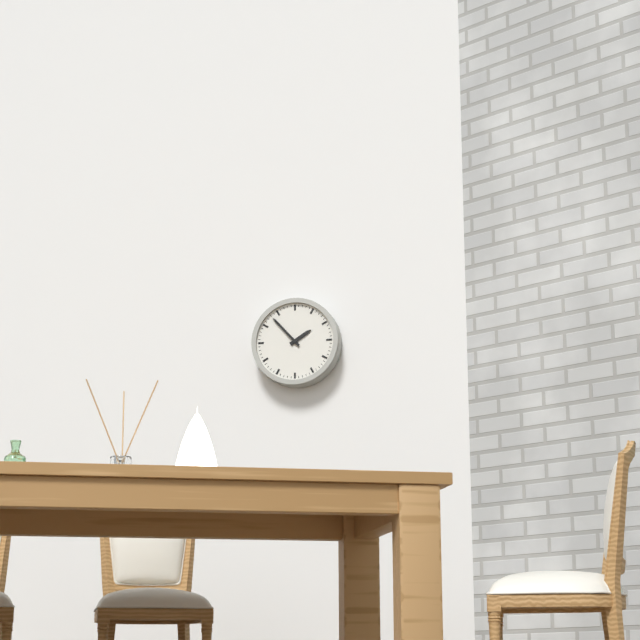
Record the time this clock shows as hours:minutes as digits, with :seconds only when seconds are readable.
1:53
